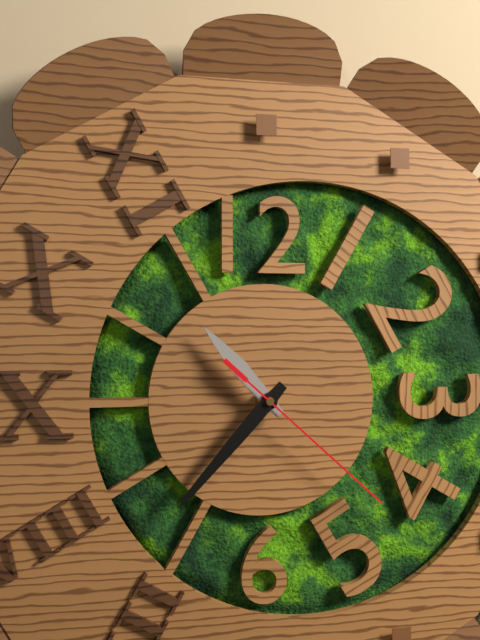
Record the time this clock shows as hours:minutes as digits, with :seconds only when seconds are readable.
10:37:22
